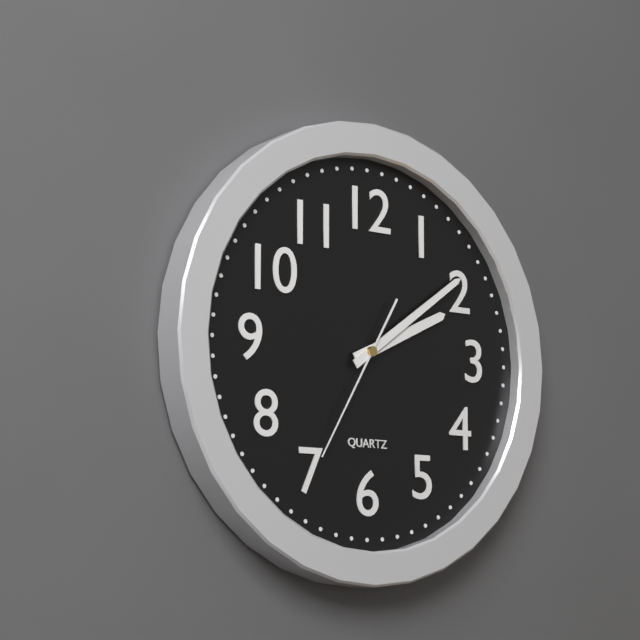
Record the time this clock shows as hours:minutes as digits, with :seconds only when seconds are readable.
2:09:35
